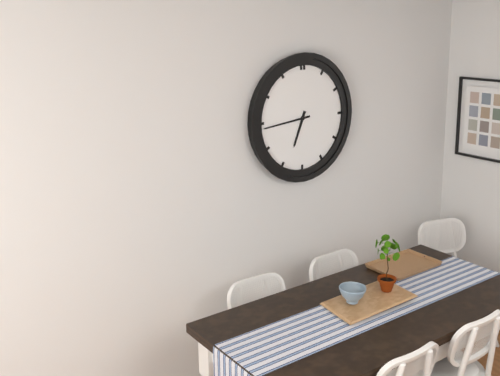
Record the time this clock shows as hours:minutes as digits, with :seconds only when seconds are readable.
6:44
